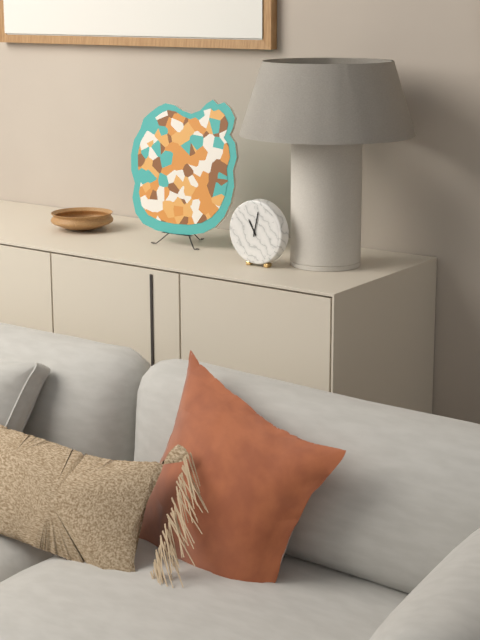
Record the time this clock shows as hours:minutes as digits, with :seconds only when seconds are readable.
11:02
